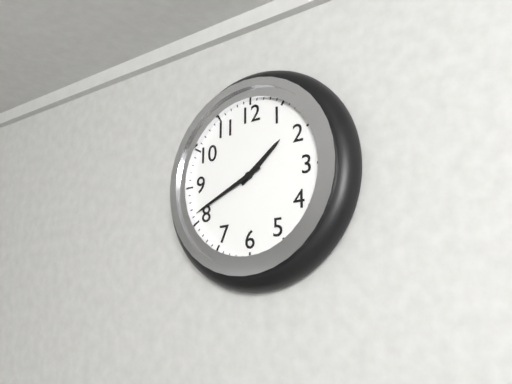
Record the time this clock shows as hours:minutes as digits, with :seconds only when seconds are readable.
1:41
